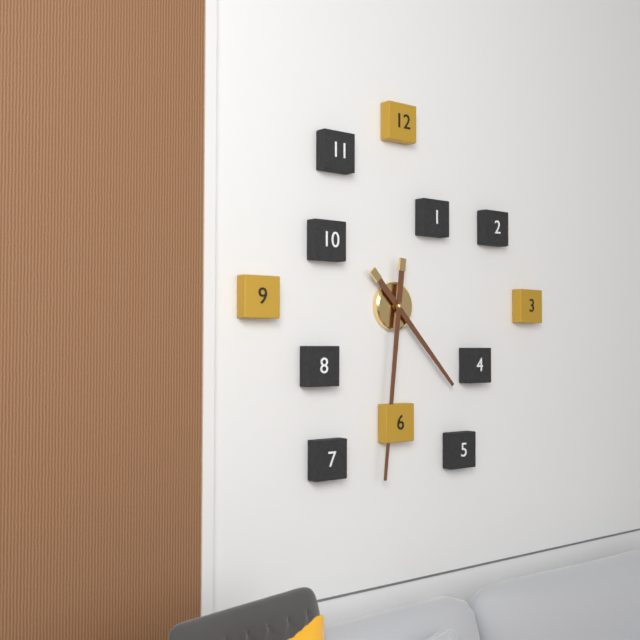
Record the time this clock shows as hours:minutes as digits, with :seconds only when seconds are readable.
4:31
